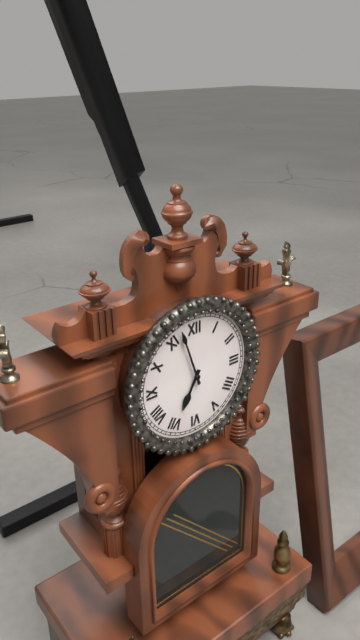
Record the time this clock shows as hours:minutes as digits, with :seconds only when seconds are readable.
6:57
